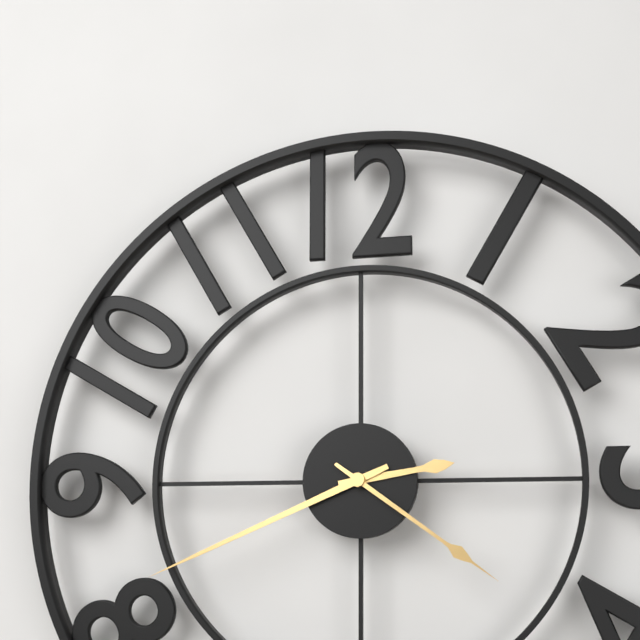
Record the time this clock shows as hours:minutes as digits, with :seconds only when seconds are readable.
2:41:21
